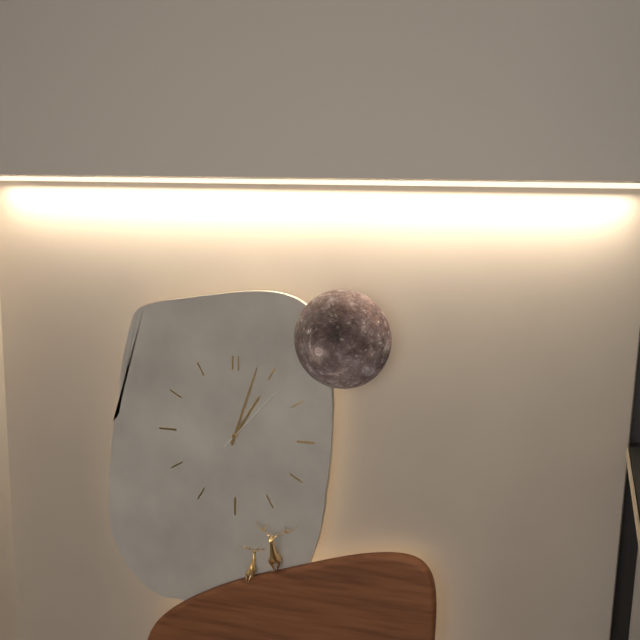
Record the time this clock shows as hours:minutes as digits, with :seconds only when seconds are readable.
1:03:07
